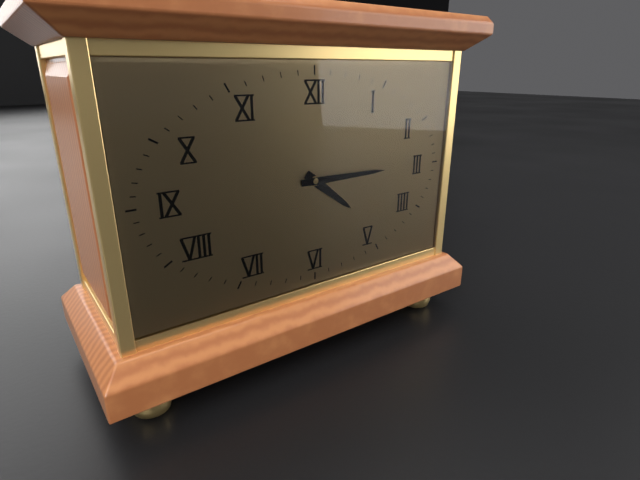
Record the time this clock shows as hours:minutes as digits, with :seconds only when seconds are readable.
4:15
